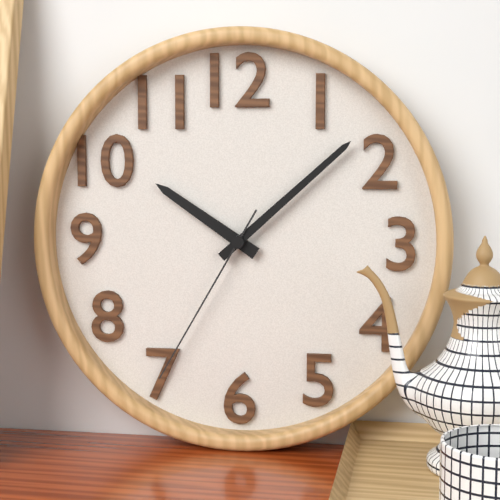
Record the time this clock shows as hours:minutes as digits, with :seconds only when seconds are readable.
10:08:35
